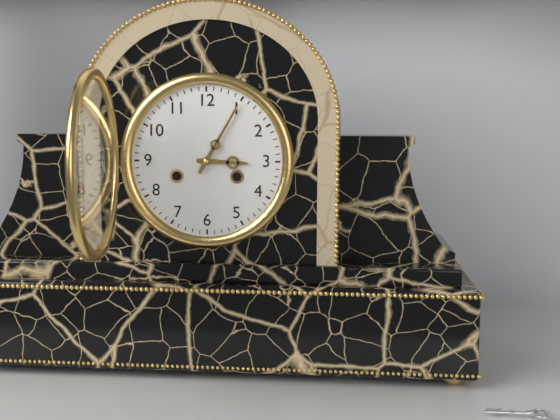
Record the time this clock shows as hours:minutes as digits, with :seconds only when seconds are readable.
3:05
